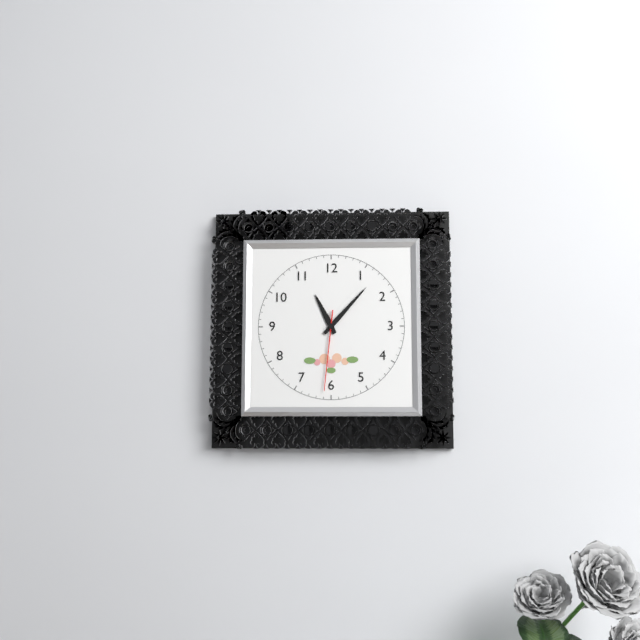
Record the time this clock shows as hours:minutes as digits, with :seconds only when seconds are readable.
11:07:31
